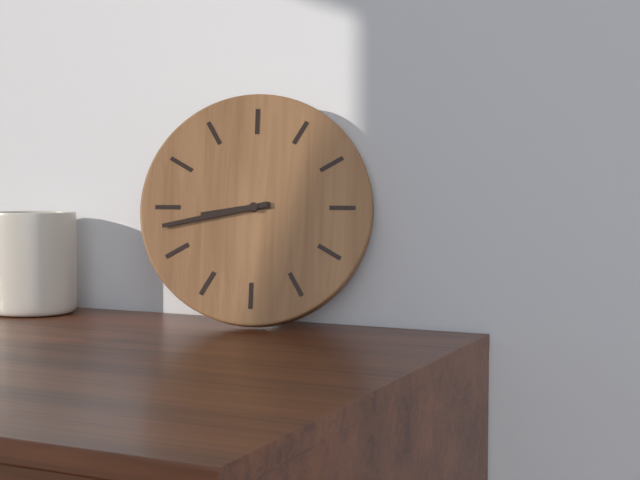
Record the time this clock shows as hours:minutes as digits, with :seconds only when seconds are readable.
8:43
